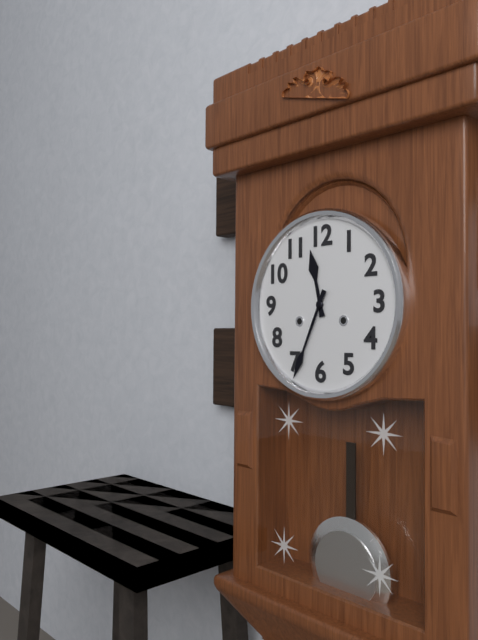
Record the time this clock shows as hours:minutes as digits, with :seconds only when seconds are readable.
11:34
